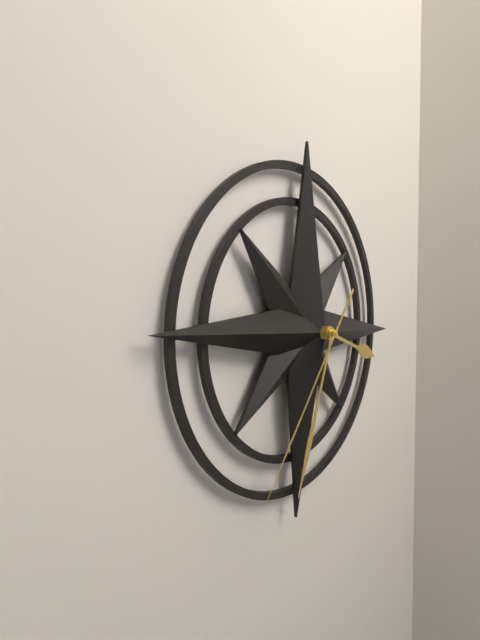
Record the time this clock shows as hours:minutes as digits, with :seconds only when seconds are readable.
3:33:36
